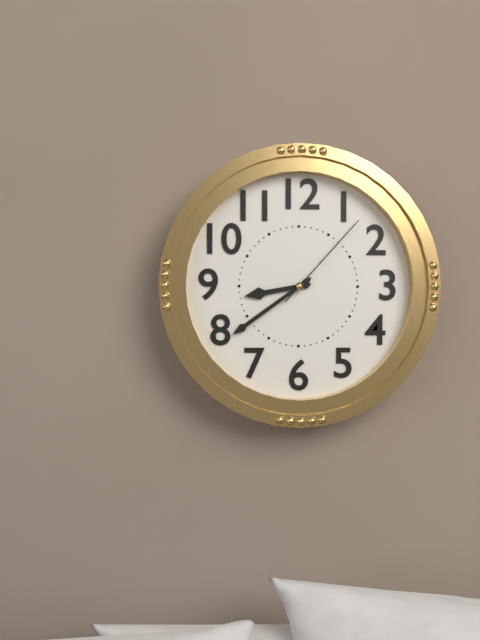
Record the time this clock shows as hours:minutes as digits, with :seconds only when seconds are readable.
8:39:07
